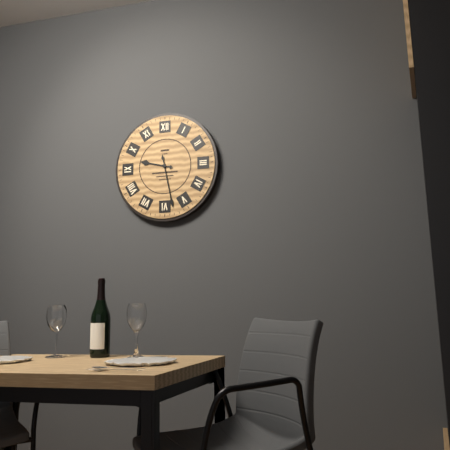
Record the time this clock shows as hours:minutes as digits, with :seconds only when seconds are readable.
9:28
